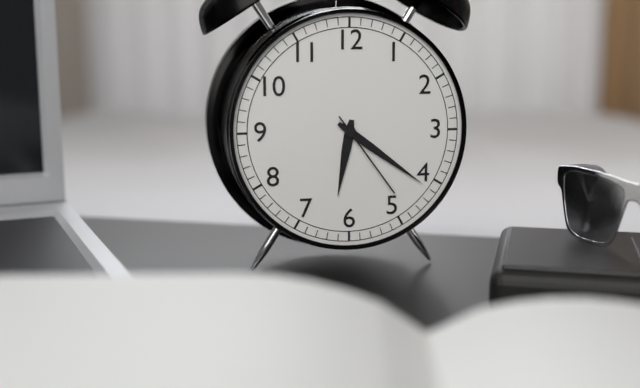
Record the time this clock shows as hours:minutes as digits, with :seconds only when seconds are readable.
6:21:24
